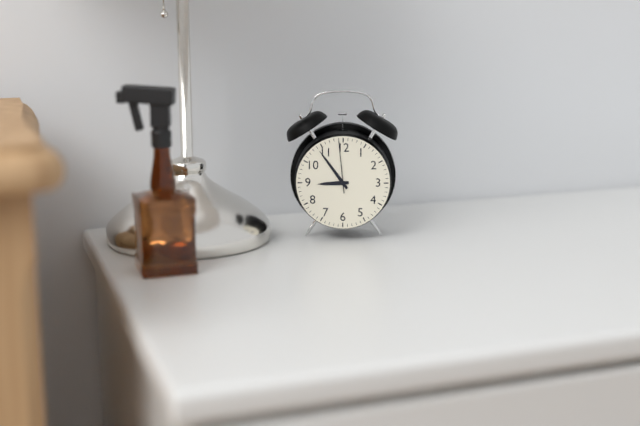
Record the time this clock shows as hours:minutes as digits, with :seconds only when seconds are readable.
8:54:59
